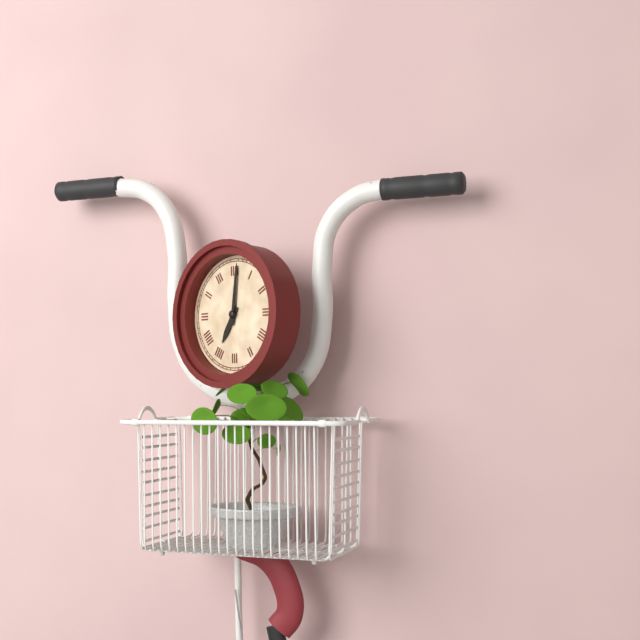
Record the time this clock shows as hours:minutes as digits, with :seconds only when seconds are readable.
7:01
